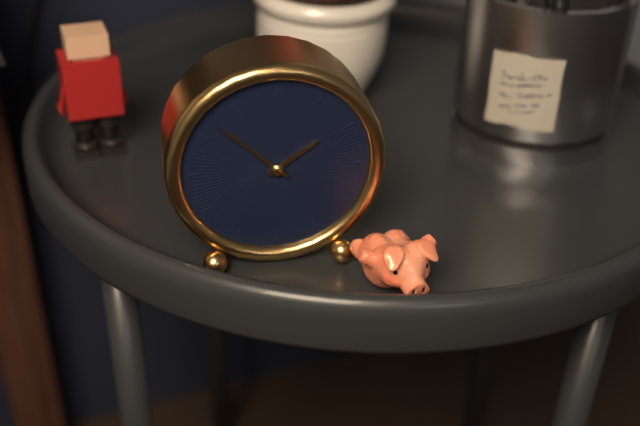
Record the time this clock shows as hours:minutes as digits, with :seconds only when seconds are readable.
1:52
